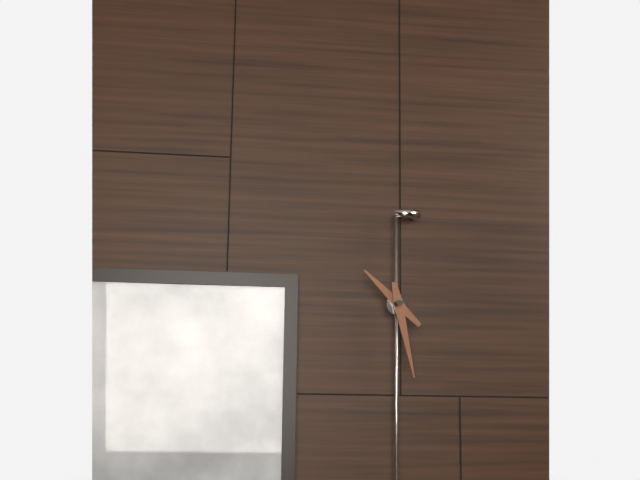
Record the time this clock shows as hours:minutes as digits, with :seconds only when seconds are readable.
10:28
